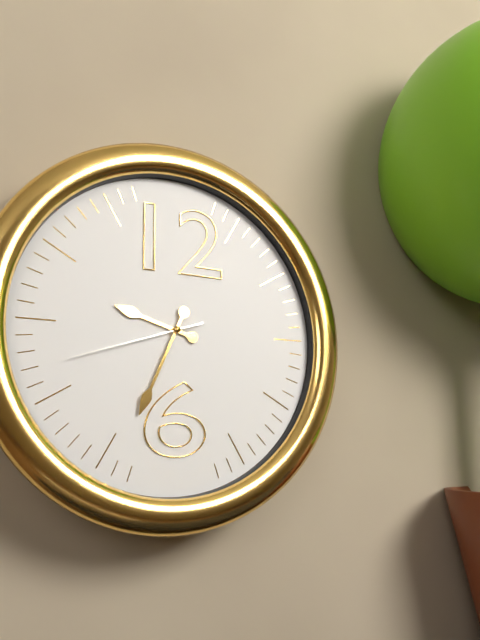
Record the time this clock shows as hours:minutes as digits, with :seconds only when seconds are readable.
9:34:42
